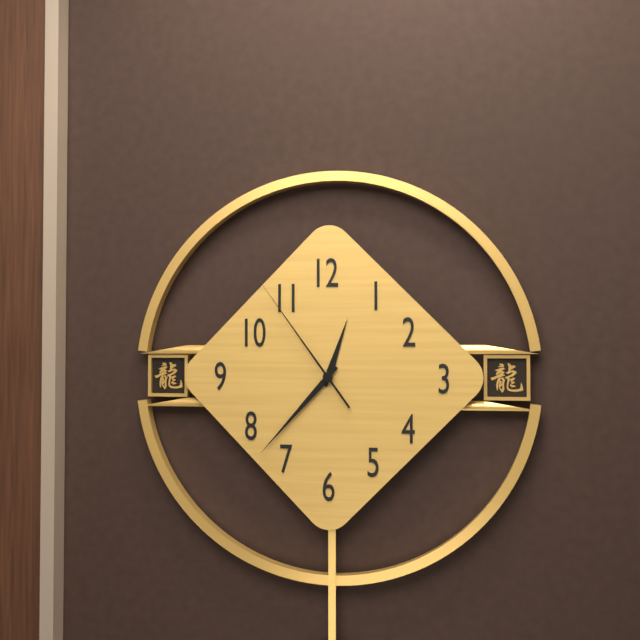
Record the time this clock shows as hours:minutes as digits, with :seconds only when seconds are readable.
12:37:54
